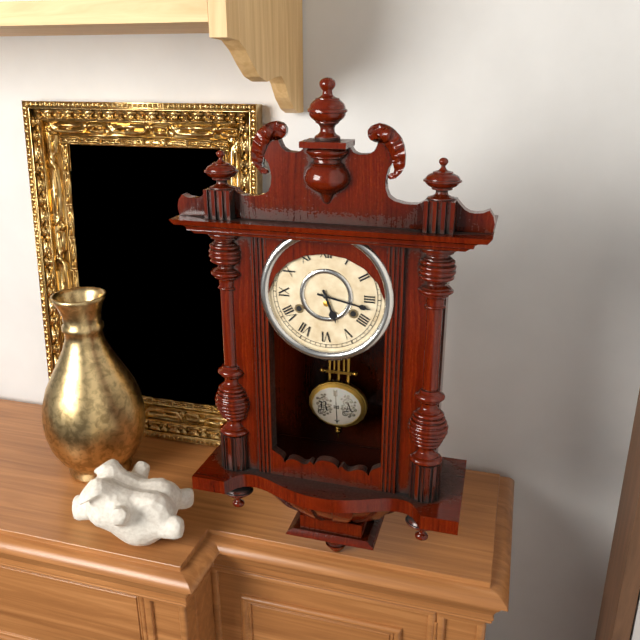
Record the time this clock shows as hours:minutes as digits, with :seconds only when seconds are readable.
5:17
